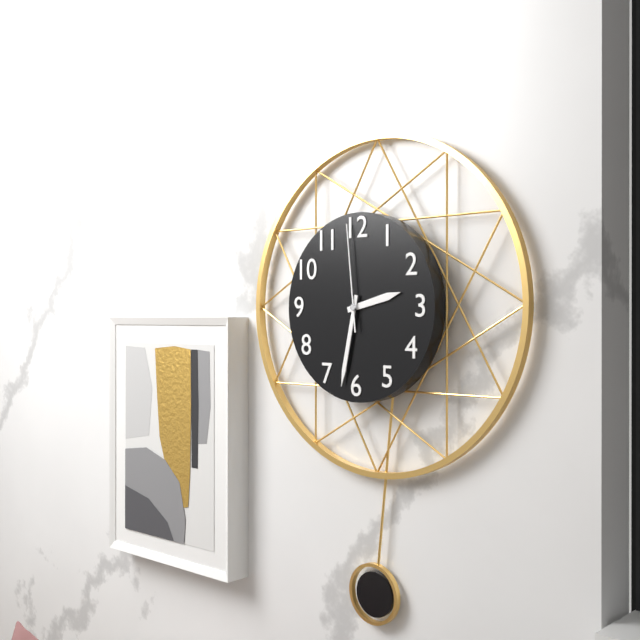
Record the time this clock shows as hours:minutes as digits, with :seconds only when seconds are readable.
2:32:59
